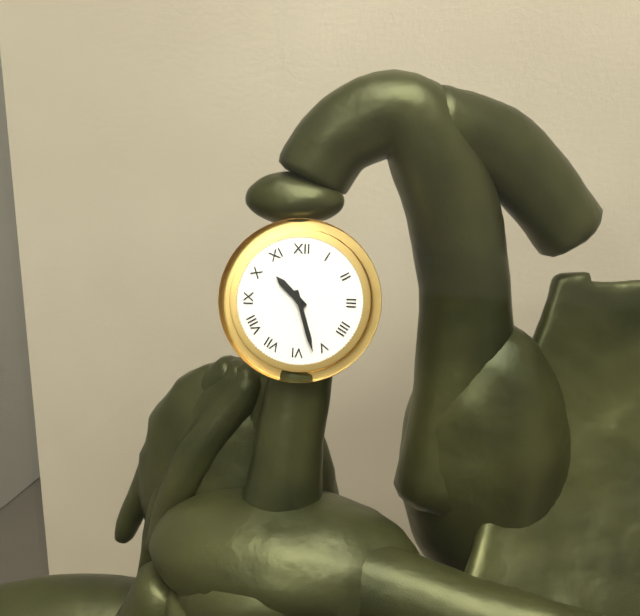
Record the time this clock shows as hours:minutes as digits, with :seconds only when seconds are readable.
10:27
